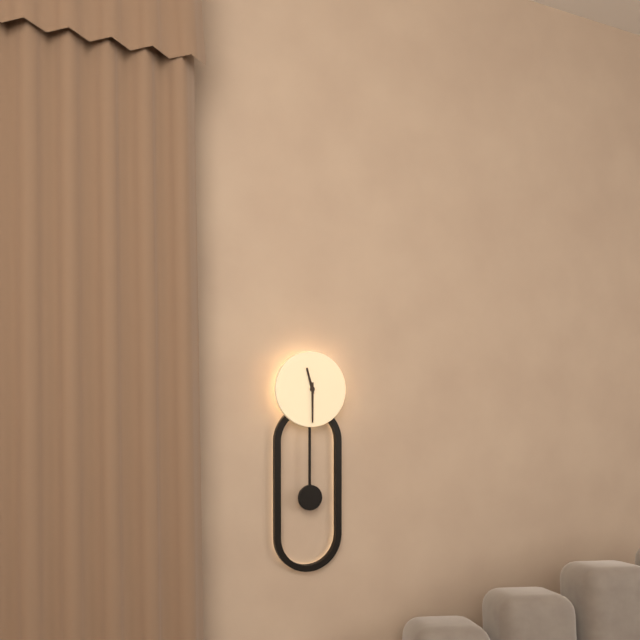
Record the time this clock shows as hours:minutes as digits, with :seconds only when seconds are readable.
11:30
